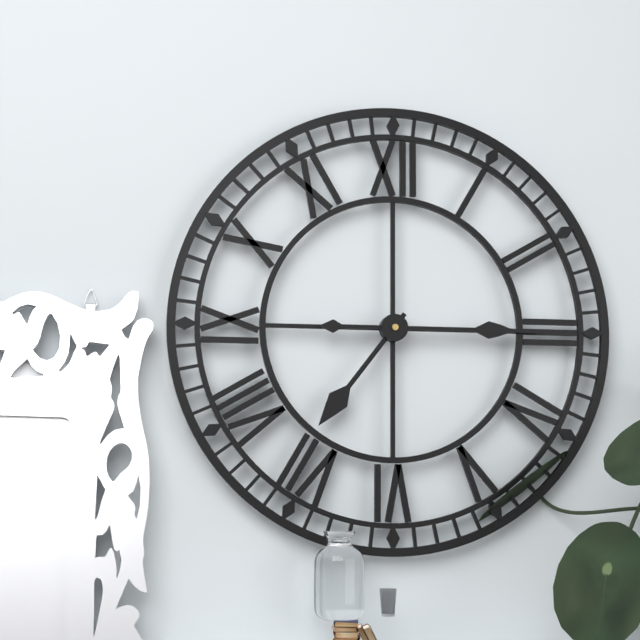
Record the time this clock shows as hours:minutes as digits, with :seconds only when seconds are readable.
7:15
